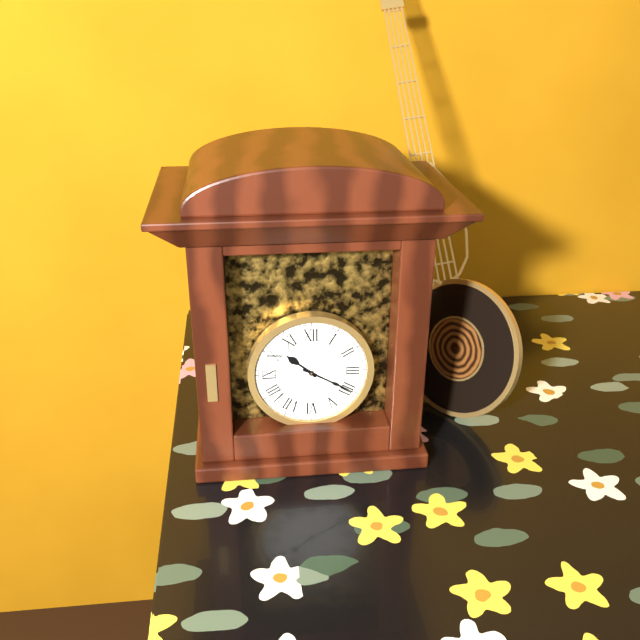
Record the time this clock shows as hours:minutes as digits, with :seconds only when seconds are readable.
10:20
